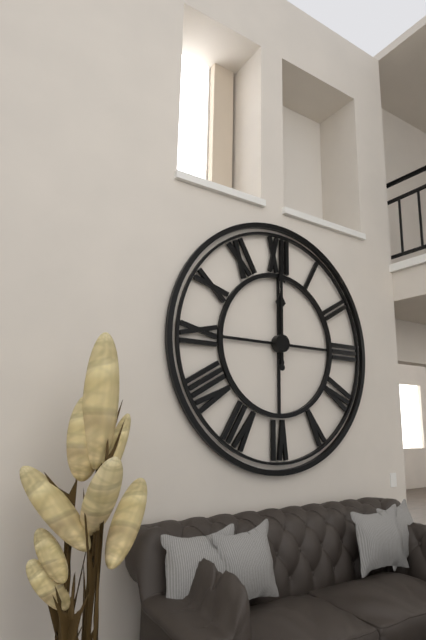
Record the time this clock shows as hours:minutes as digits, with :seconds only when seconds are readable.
12:00
